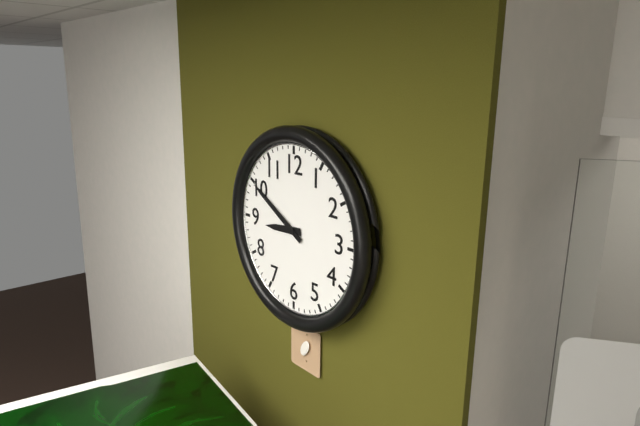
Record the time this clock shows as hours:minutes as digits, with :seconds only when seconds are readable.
8:50
